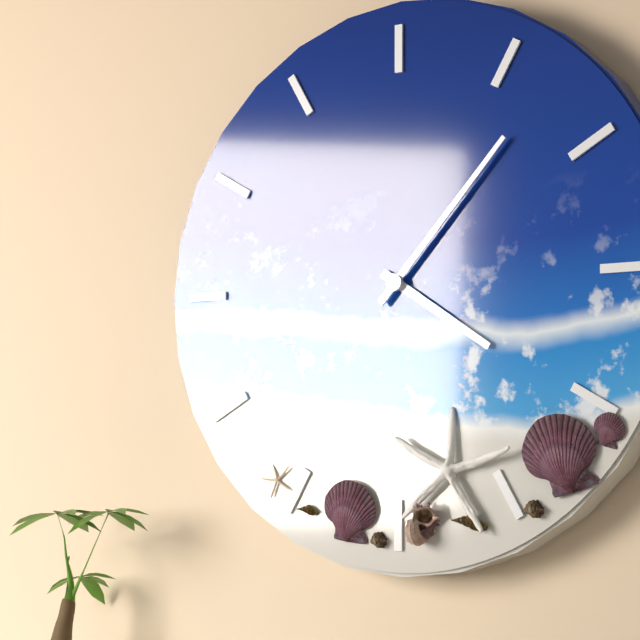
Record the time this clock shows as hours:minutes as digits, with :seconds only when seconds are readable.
4:07
